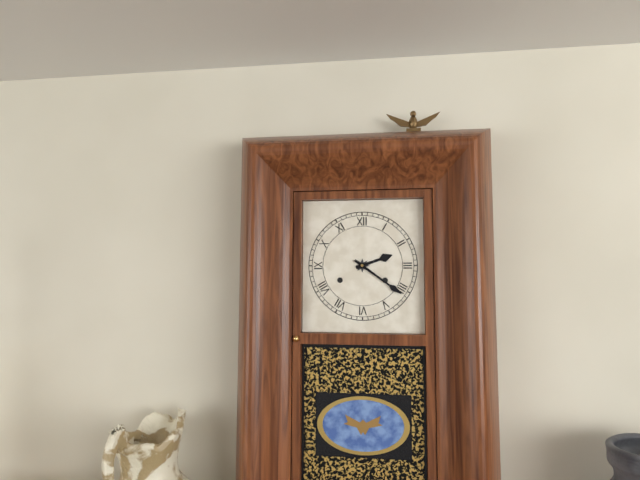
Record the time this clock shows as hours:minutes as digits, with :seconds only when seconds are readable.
2:21
